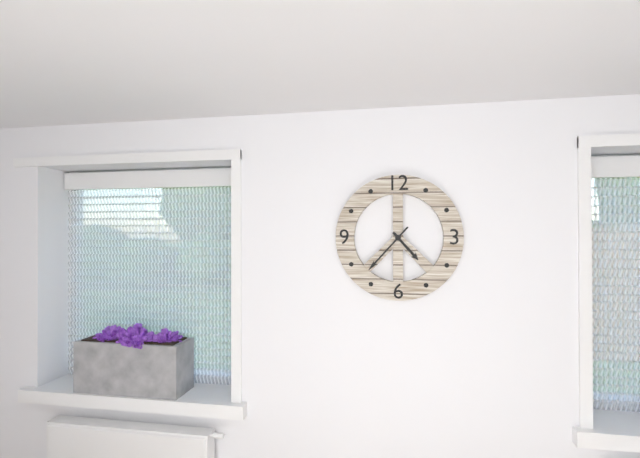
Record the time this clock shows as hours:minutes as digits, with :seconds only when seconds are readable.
4:37
